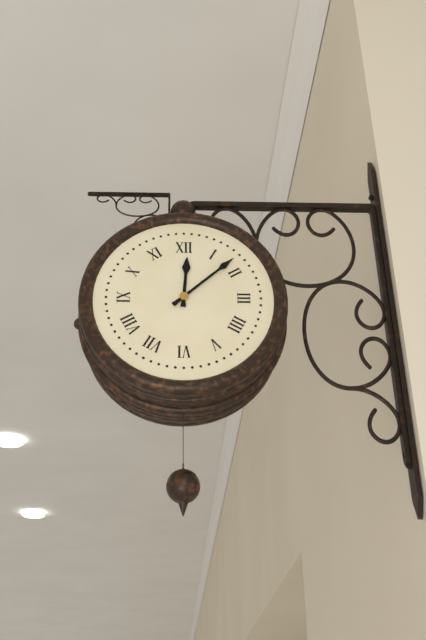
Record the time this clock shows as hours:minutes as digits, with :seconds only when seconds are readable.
12:08
